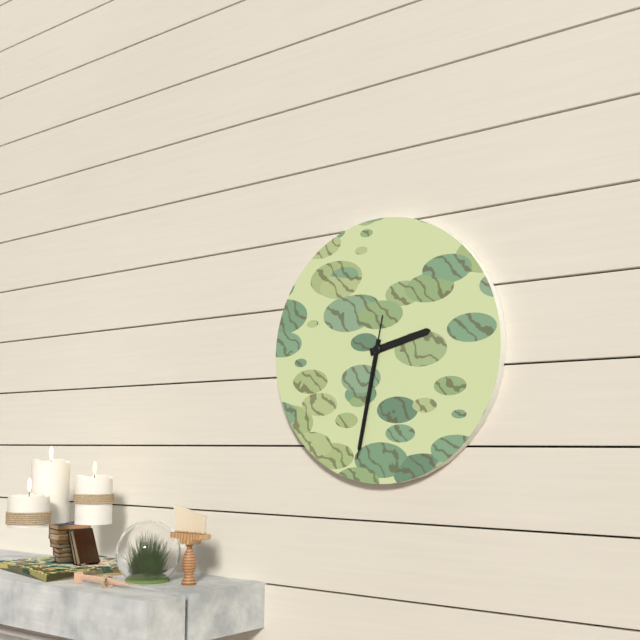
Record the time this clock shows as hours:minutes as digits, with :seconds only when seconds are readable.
2:32:32
